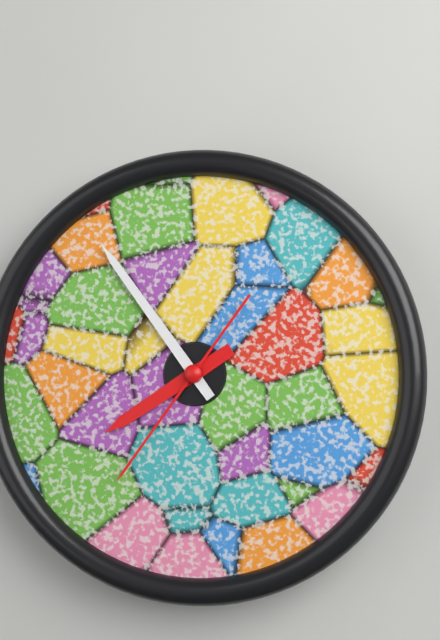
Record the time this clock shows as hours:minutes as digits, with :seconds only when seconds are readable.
7:54:36
